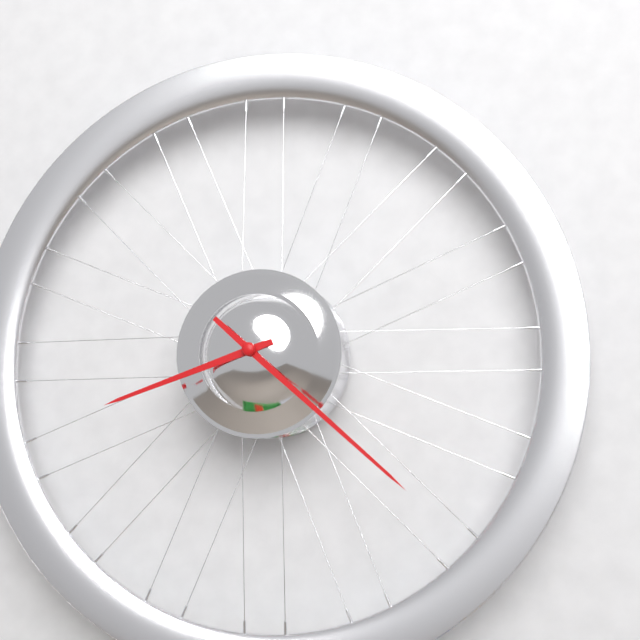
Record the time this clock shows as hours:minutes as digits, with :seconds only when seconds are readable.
8:22
